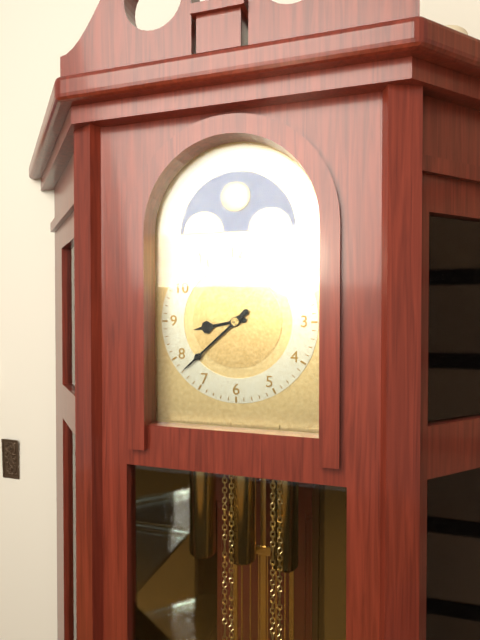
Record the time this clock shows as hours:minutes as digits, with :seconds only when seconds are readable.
8:38
